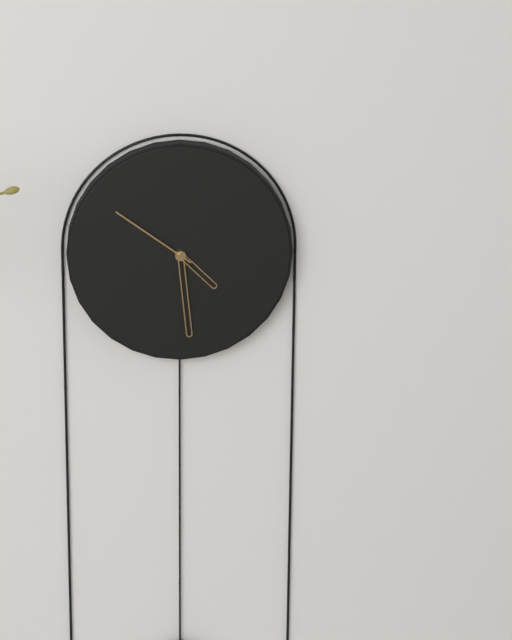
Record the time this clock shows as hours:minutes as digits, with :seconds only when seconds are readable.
4:29:51
